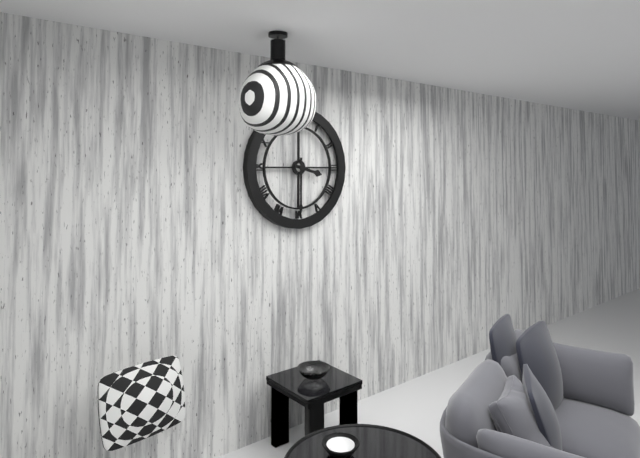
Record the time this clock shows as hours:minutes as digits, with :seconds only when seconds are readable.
3:30
